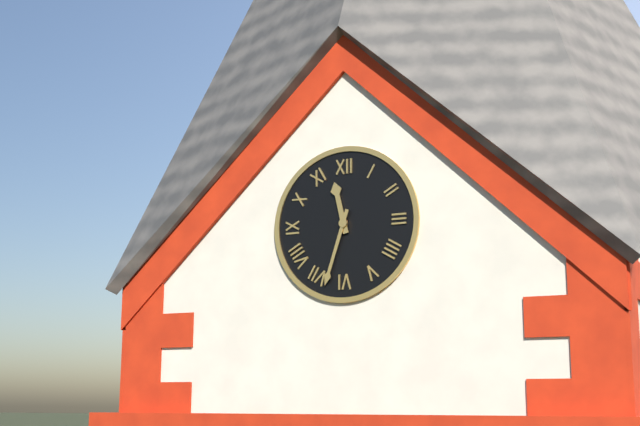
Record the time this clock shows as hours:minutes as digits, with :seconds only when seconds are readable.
11:33
